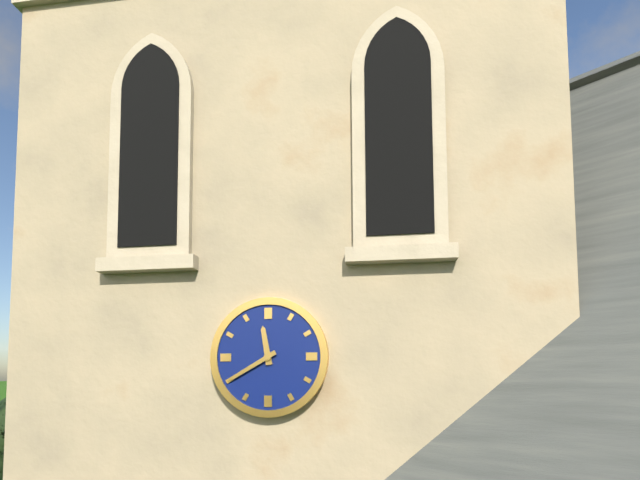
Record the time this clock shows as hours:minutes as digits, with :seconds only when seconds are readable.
11:40
